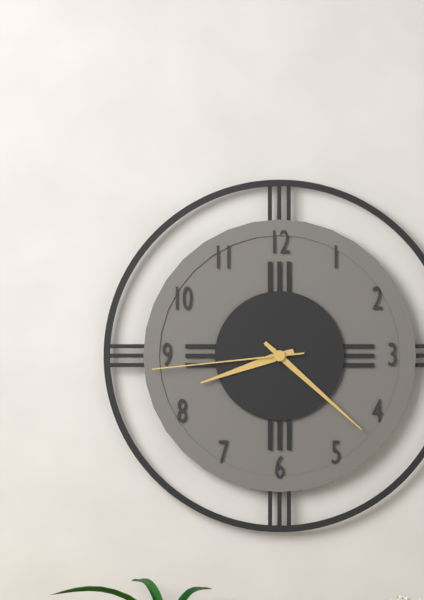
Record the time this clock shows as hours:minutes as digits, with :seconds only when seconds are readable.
8:22:44
